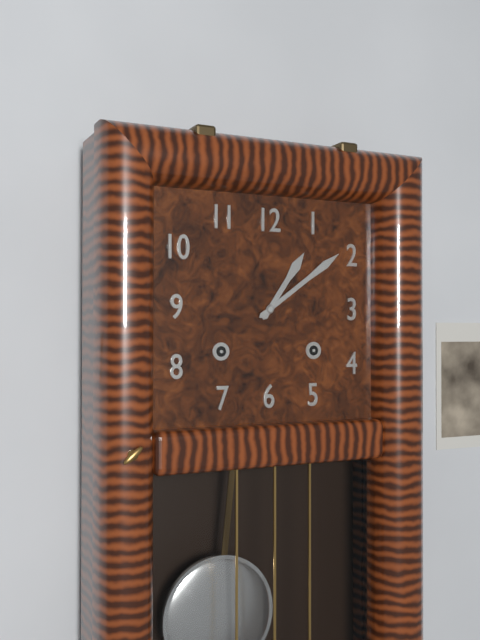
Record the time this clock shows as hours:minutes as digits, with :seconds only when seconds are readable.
1:09
